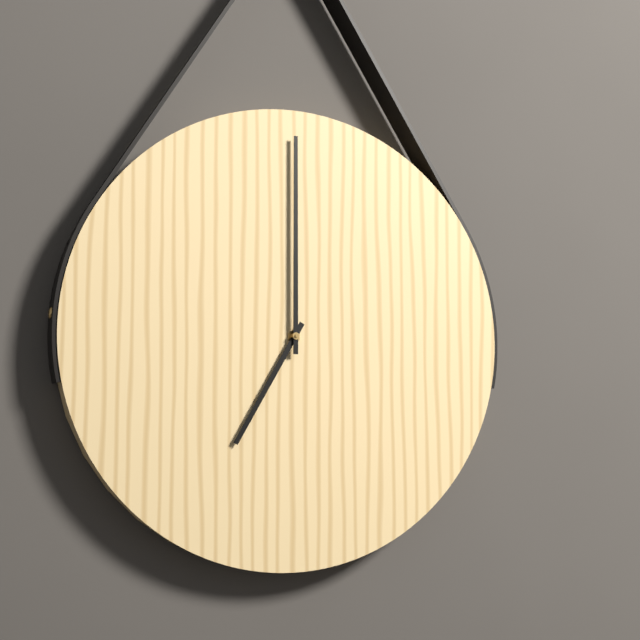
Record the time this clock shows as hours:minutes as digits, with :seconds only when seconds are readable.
7:00
